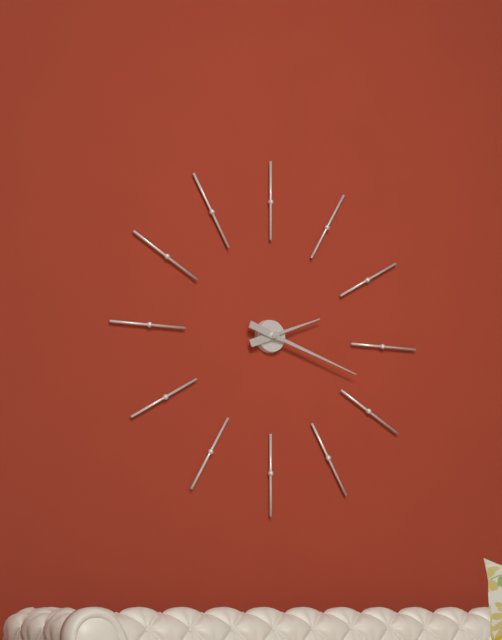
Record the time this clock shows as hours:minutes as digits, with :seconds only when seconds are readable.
2:18
